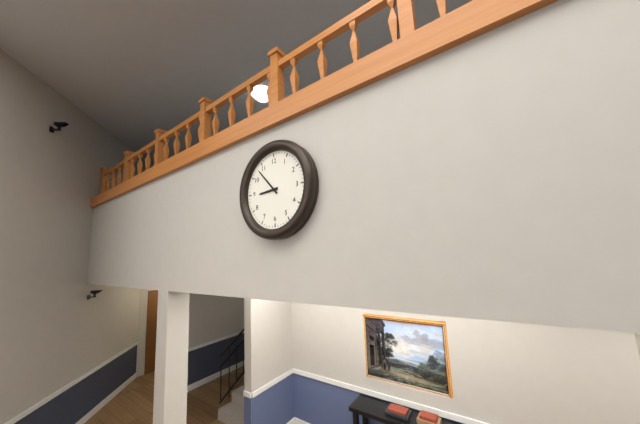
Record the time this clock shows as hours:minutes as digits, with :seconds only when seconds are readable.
8:53
